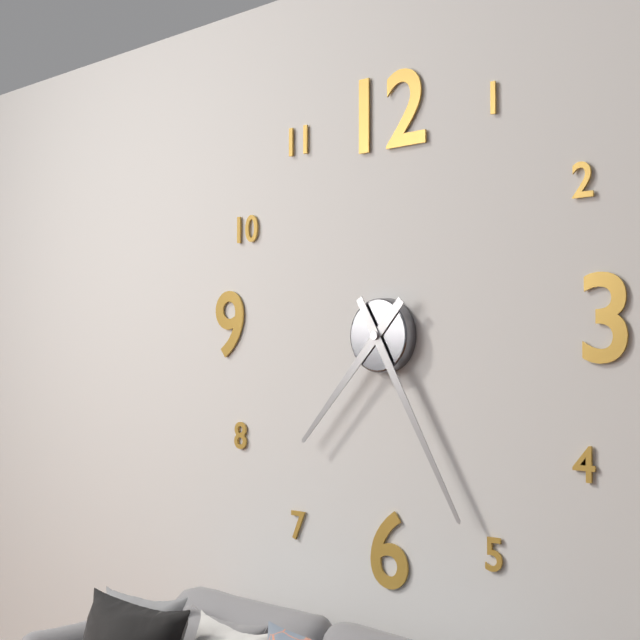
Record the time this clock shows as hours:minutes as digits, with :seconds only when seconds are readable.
7:25
